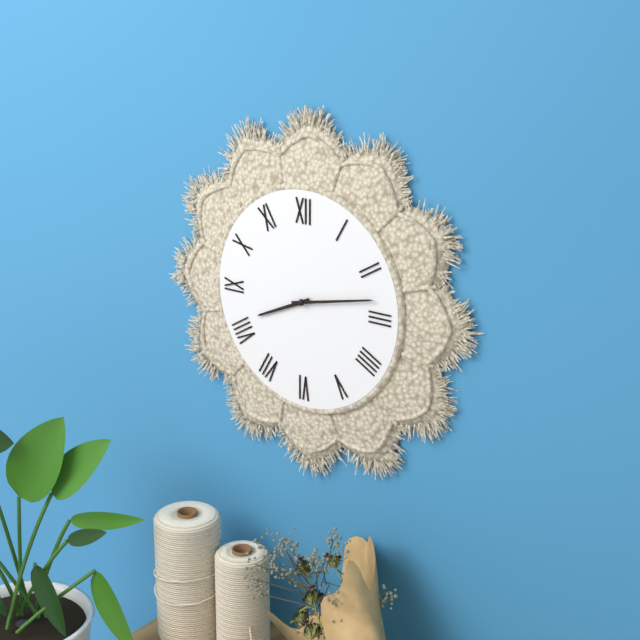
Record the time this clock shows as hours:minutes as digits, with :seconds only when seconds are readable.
8:13
